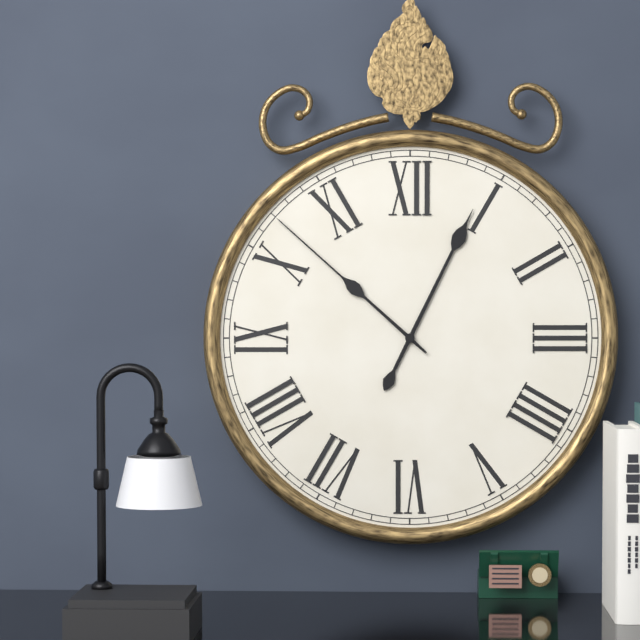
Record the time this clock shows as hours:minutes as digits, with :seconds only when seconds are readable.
12:52
